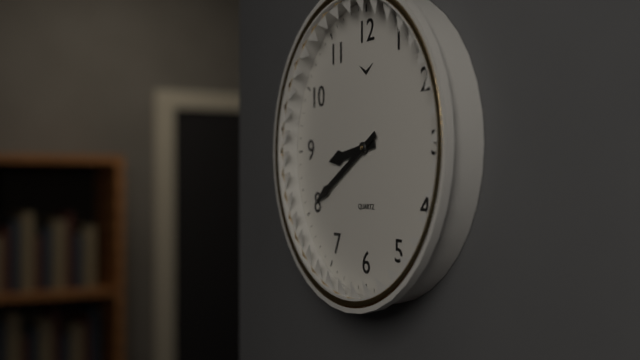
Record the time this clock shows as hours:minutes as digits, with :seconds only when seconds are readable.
8:40
